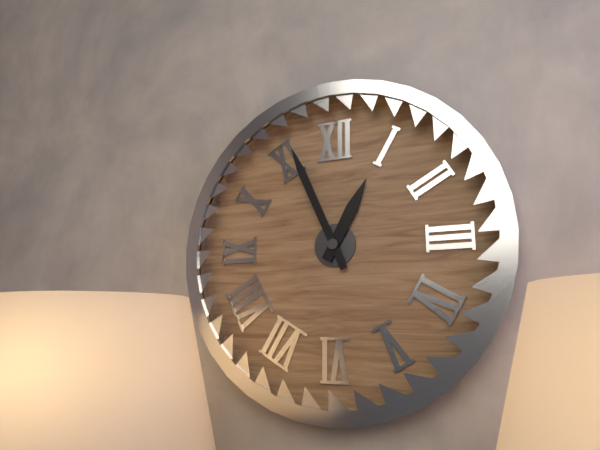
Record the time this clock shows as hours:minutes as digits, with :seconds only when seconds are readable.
12:56
